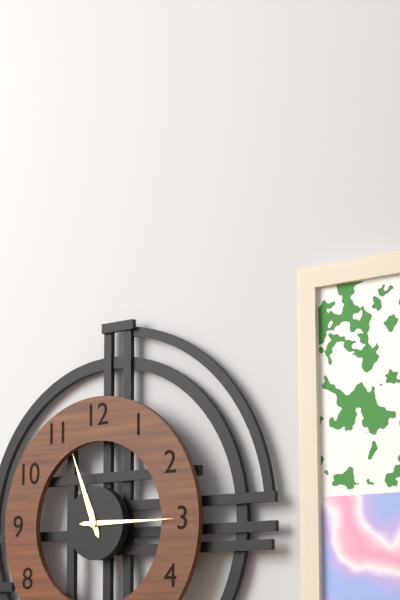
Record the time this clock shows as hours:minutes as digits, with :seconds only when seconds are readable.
11:15
